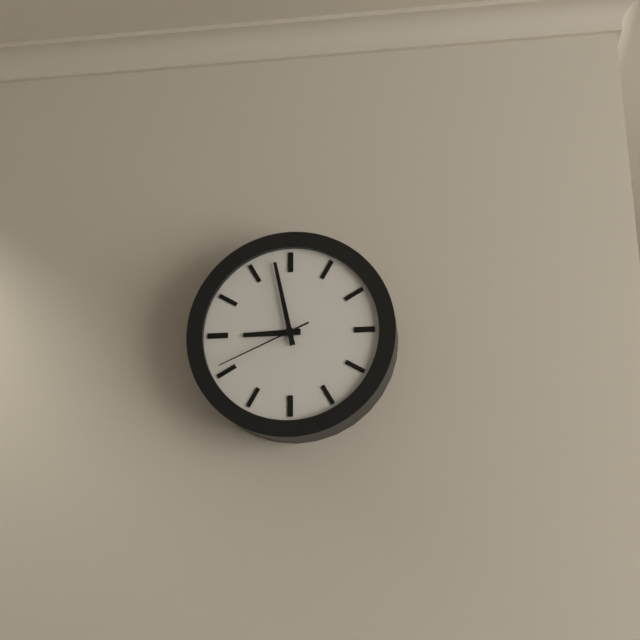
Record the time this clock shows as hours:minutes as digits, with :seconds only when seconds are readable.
8:58:41
